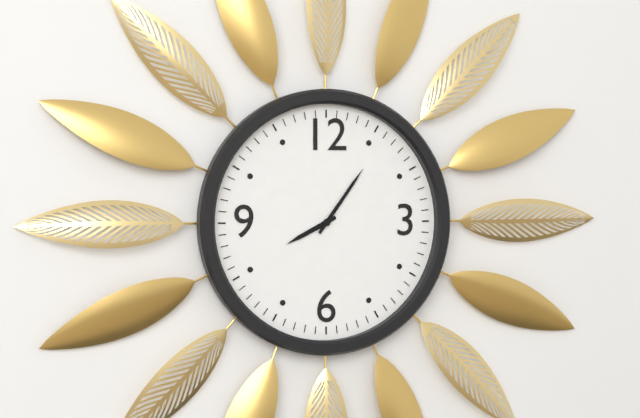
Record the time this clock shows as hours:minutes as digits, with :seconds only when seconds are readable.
8:06
